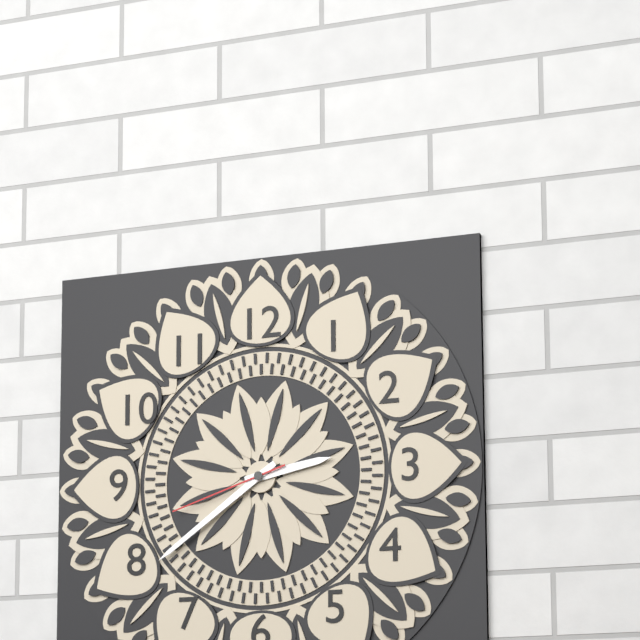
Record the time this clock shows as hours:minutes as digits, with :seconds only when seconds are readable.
2:39:42
